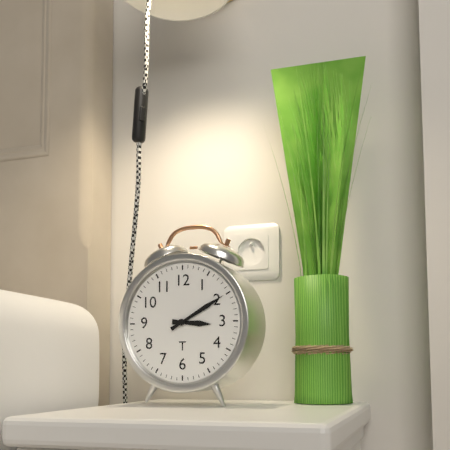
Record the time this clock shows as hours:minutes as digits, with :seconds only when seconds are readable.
3:10
